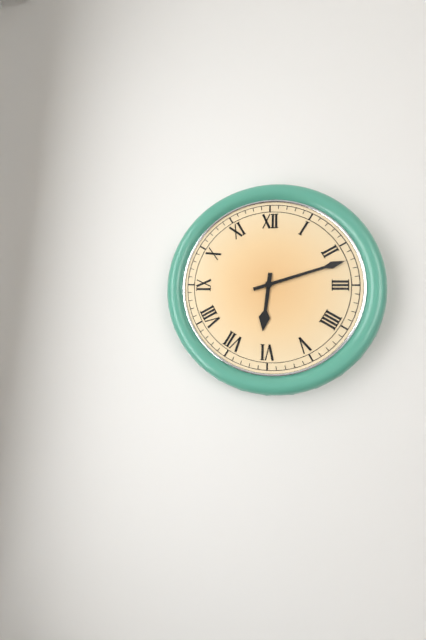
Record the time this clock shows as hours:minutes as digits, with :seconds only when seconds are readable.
6:12
